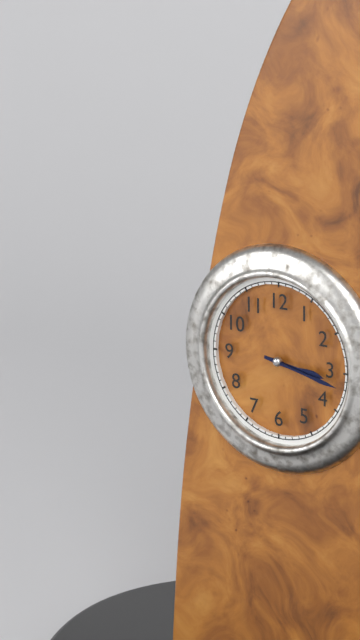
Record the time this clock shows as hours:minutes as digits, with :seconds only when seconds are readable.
3:17
